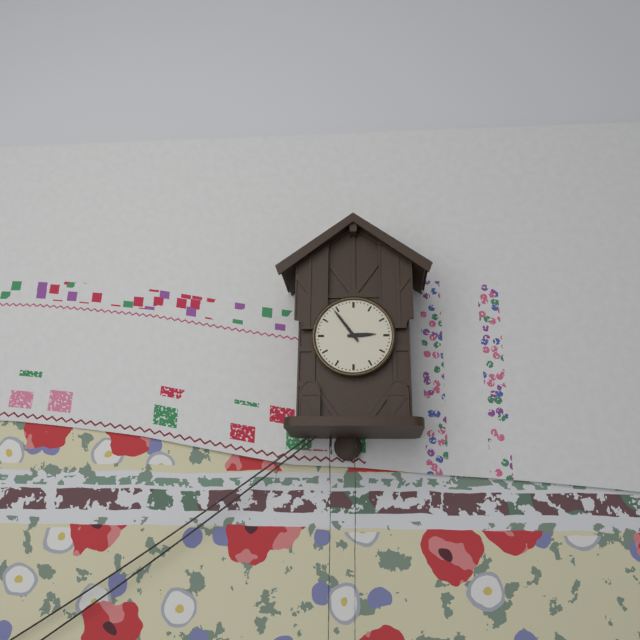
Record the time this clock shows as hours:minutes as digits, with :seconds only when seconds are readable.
2:54
